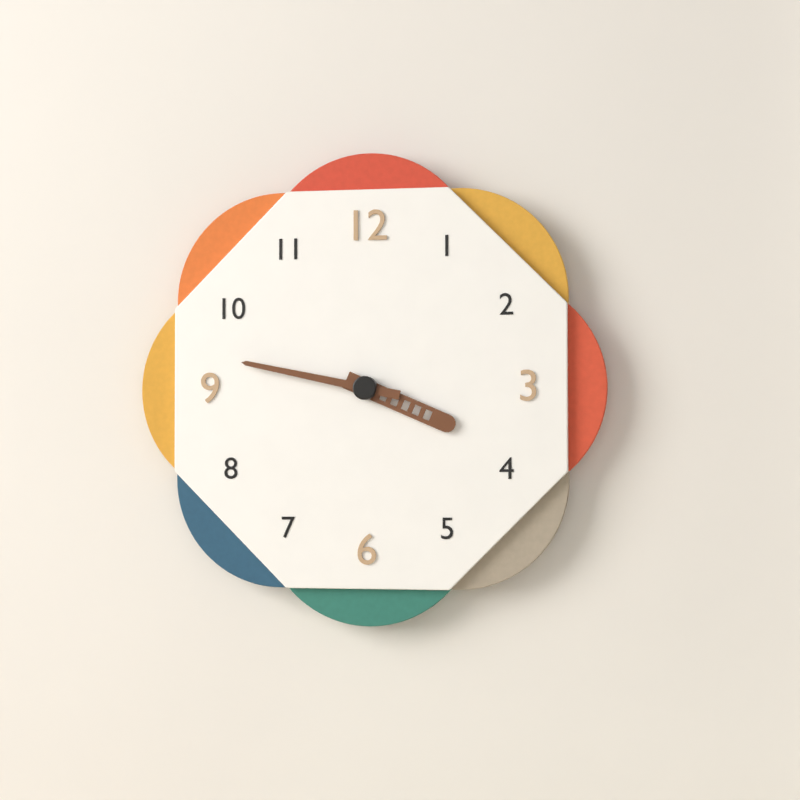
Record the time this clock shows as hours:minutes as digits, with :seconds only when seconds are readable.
3:47
